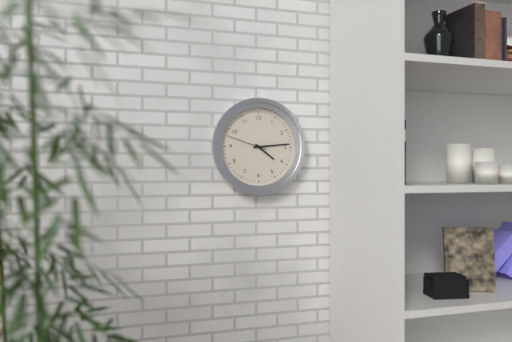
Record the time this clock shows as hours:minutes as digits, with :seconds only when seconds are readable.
4:14
